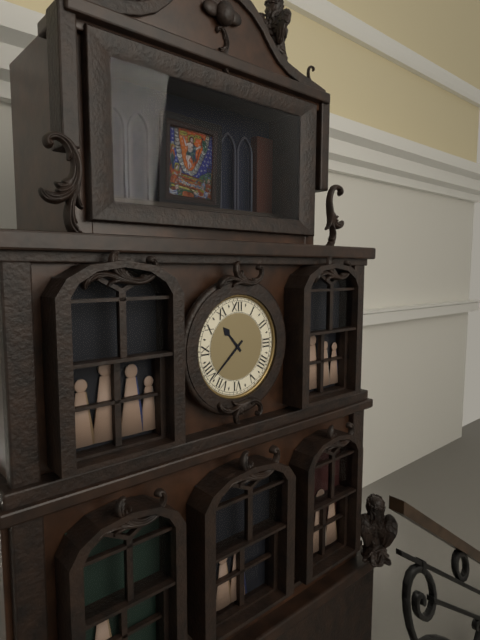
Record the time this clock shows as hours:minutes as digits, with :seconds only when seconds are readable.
10:38
